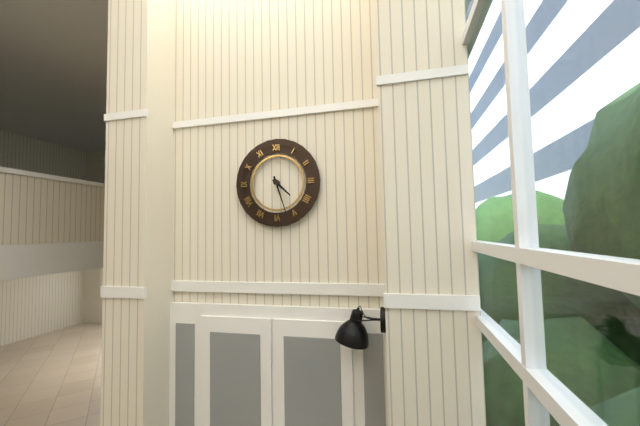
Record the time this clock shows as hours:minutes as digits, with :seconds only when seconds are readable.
4:27
